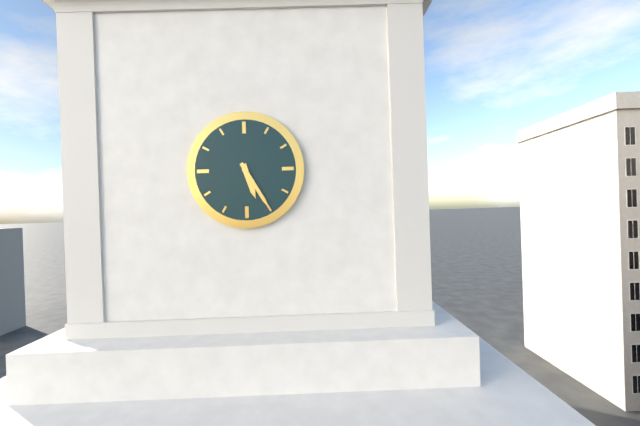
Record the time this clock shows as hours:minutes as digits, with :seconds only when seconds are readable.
5:25
